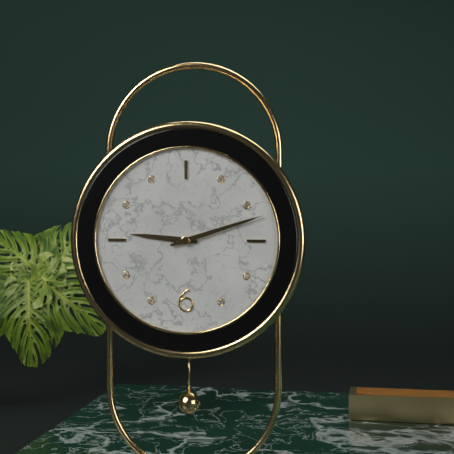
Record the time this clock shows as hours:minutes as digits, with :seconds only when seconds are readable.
9:12
